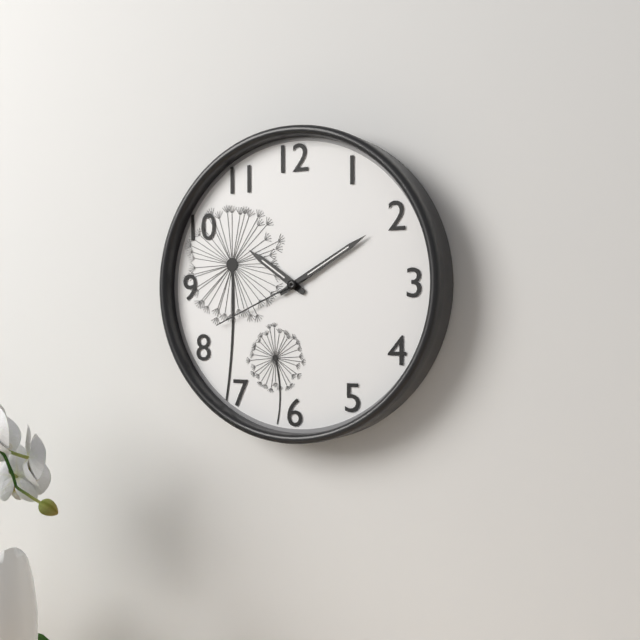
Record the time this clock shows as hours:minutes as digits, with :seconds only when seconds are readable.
10:10:41
